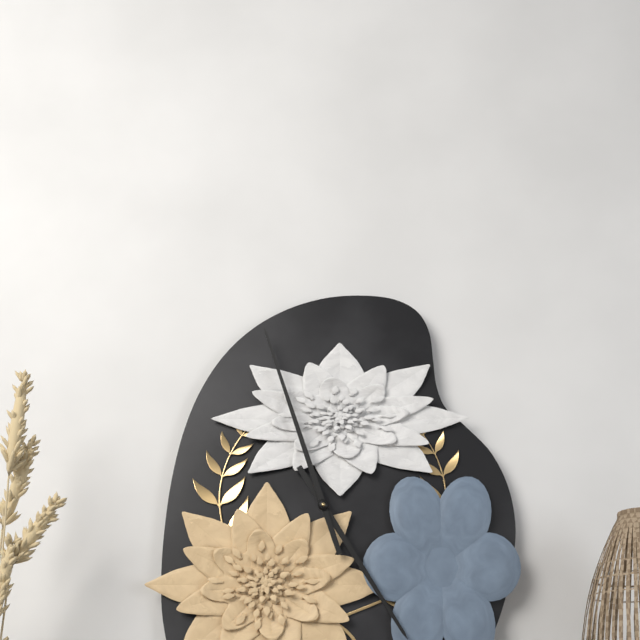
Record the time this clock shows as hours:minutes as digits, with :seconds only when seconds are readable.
4:57
